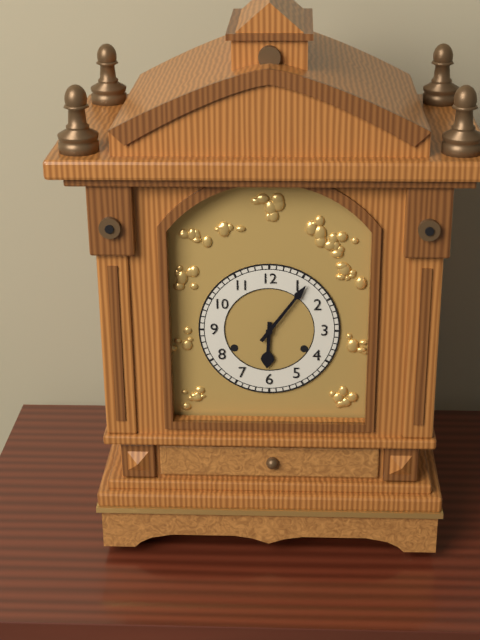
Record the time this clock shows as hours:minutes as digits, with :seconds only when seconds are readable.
6:06
